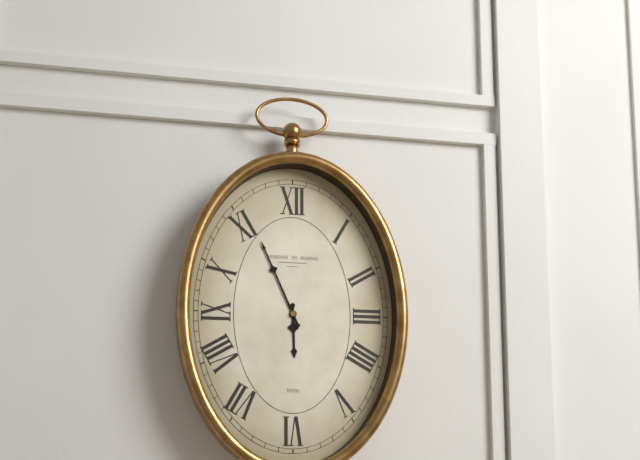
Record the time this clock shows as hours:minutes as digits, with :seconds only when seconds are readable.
5:56
